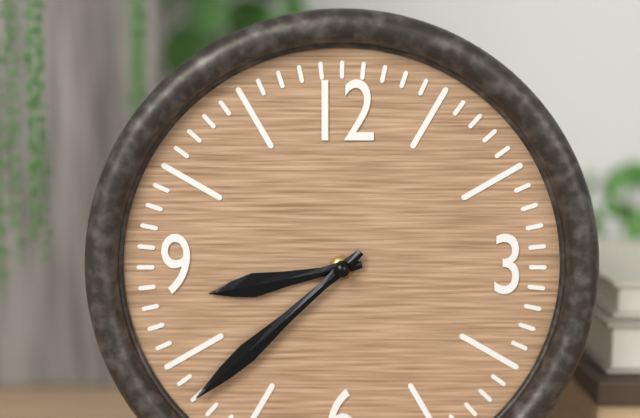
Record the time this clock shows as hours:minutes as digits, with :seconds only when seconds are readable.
8:38
